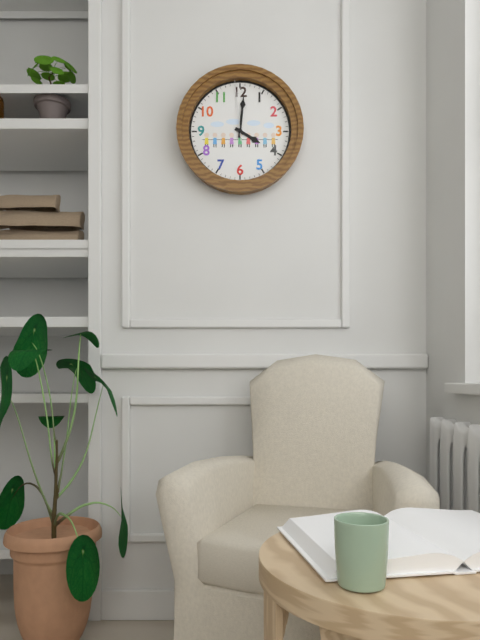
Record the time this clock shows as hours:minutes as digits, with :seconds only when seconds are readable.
4:01:59
